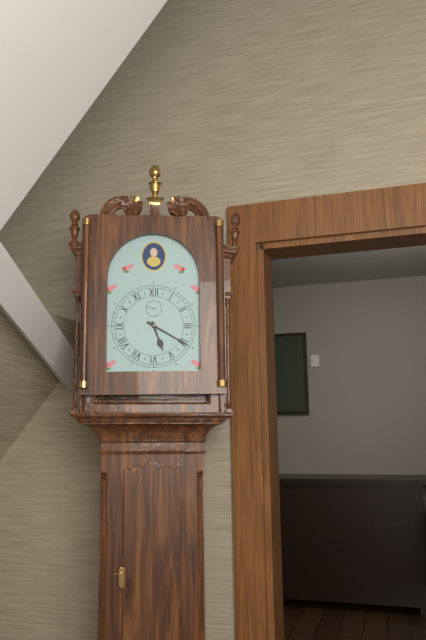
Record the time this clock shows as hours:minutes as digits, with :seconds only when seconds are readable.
5:20
